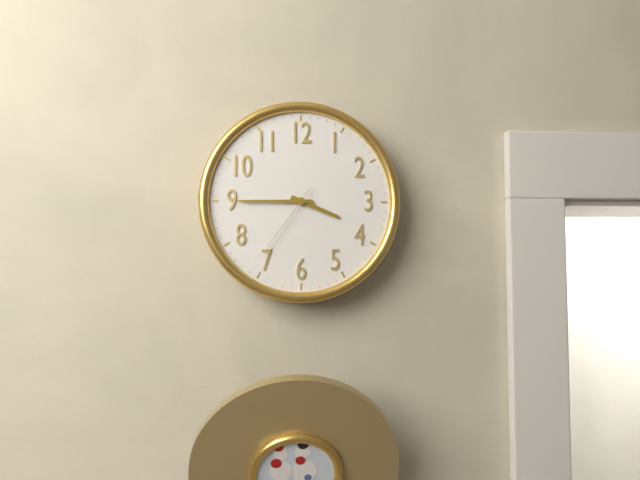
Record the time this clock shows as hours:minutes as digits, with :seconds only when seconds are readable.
3:45:36
